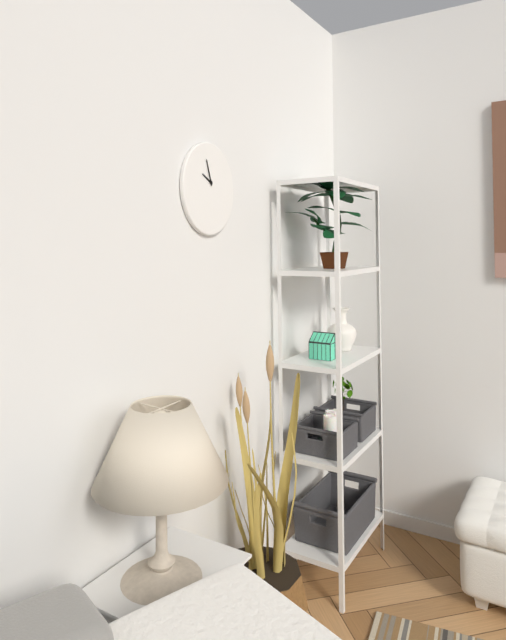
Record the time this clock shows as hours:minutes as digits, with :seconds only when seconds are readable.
9:57
